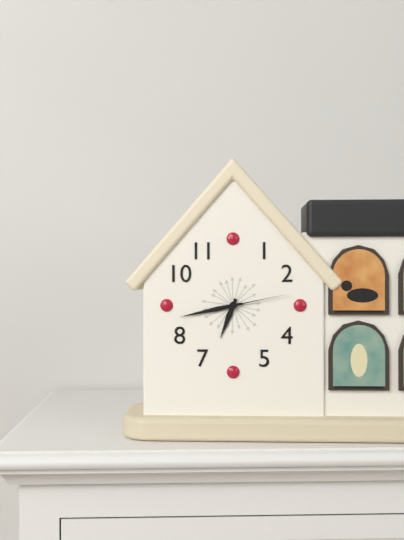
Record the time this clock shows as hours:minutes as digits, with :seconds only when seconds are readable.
6:43:13
